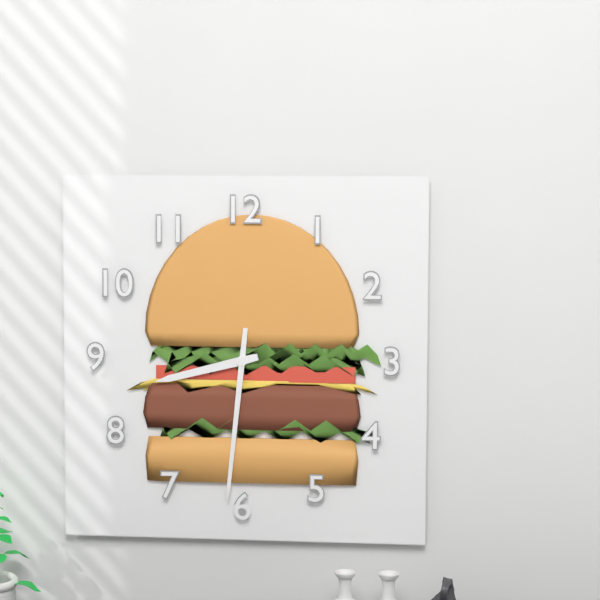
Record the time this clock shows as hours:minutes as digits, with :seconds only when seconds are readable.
8:31
